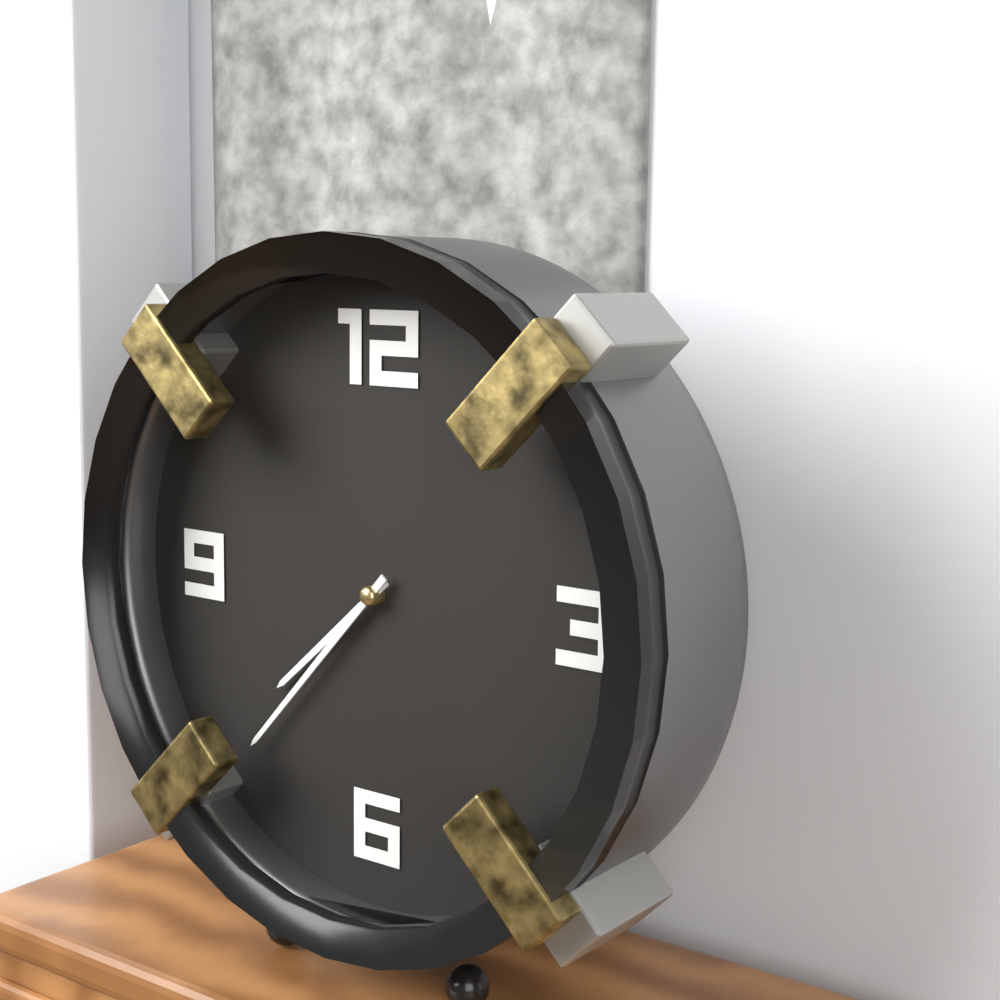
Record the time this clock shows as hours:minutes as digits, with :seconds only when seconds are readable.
7:37
